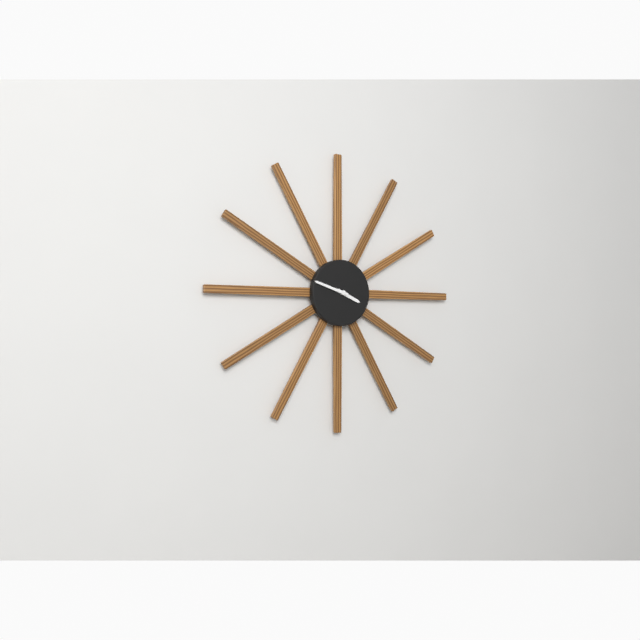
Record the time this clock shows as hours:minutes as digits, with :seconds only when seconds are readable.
3:48
